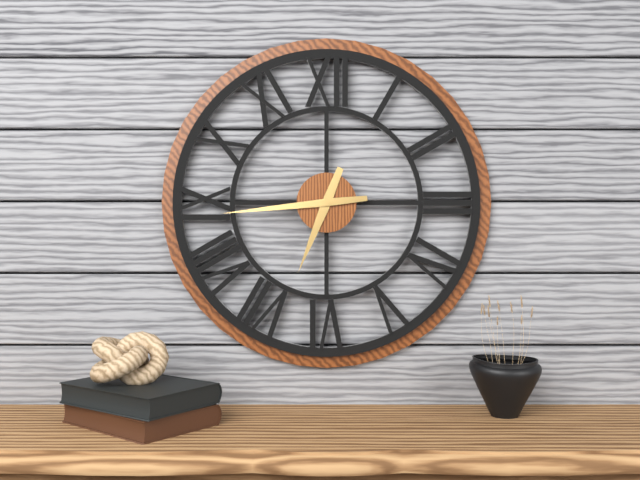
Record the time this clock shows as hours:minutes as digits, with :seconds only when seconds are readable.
6:44
